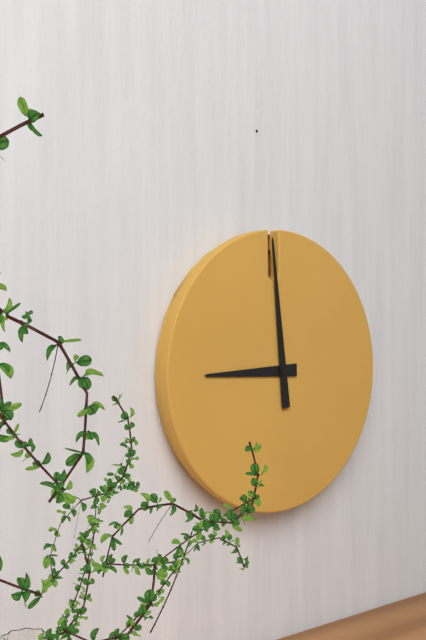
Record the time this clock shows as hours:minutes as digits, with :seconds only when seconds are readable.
8:59
